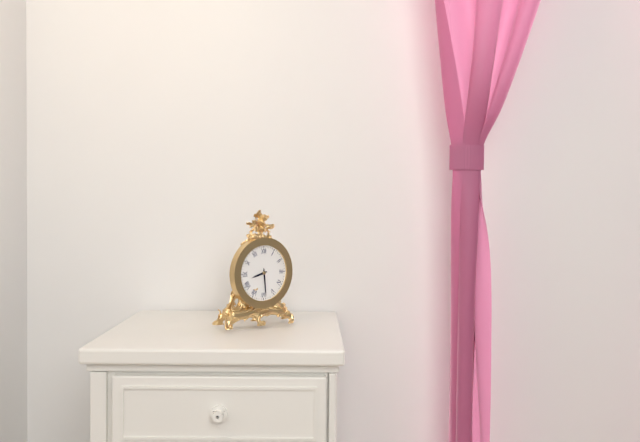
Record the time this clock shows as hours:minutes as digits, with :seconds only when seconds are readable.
8:29
